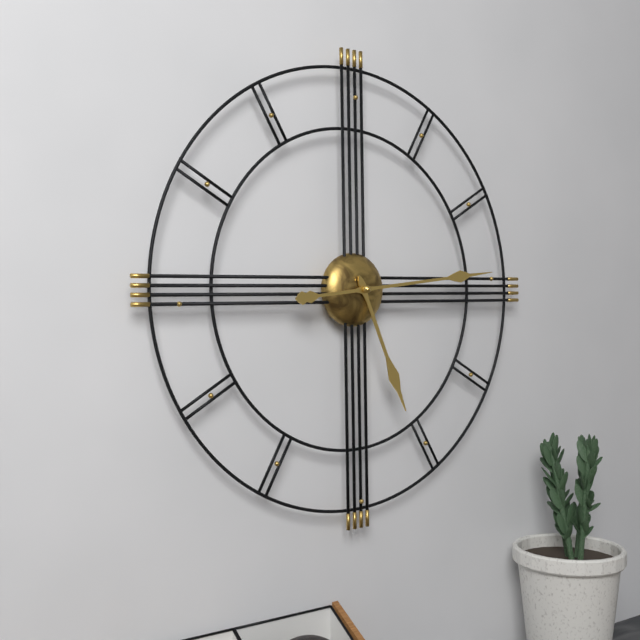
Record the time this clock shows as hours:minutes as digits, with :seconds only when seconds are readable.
5:14
